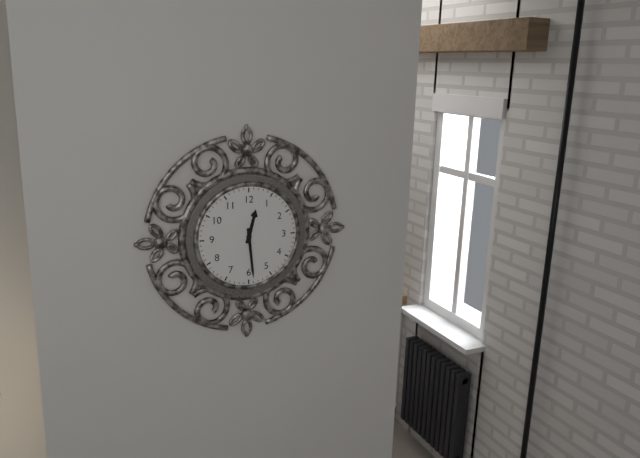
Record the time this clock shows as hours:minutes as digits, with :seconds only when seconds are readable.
12:29
